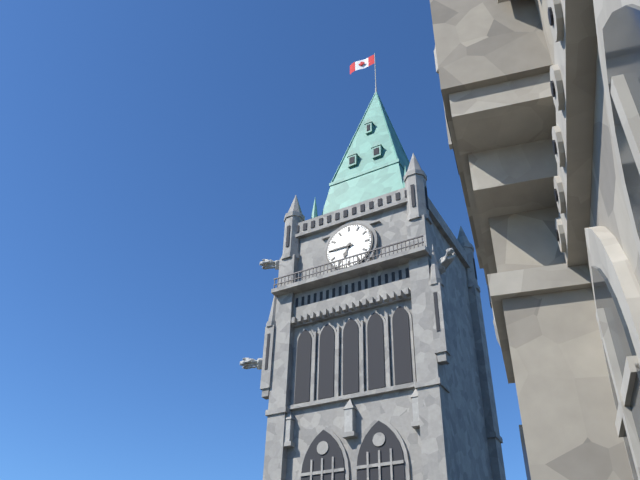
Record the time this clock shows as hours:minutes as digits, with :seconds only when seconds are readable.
6:45
